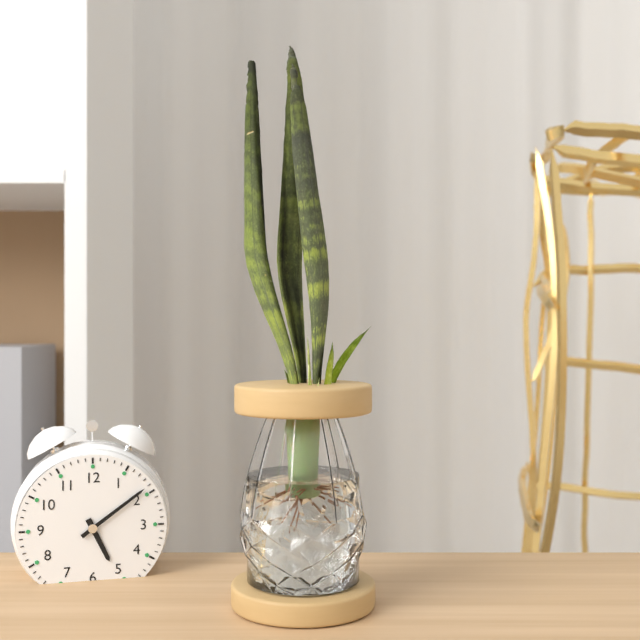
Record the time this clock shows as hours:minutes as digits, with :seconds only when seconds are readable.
5:09
